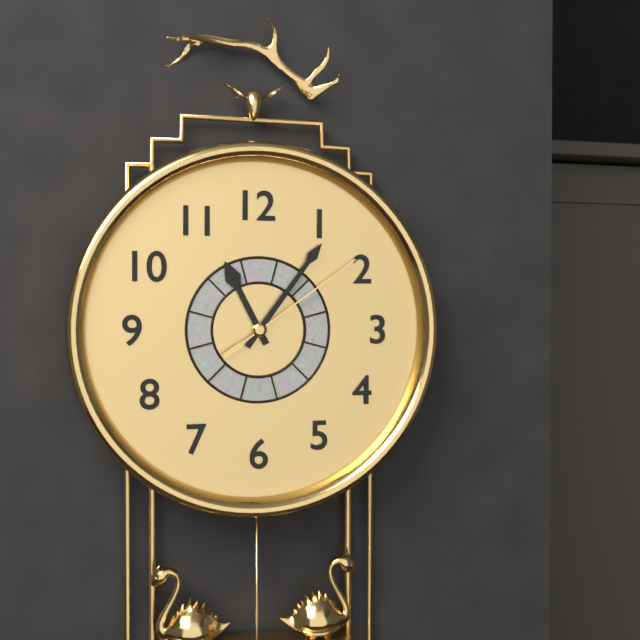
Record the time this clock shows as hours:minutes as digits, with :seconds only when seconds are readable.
11:06:09
